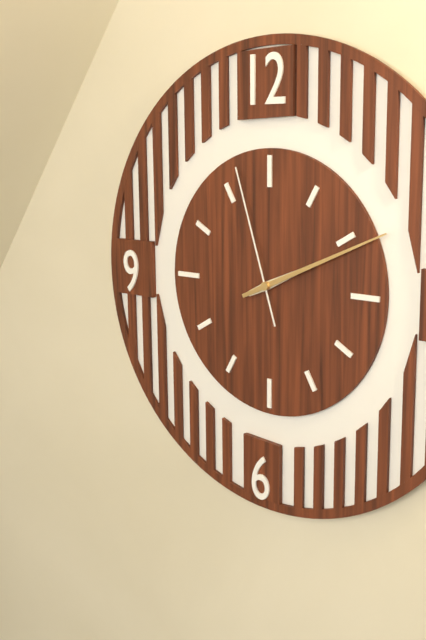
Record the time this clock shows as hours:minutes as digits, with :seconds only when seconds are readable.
2:11:57
